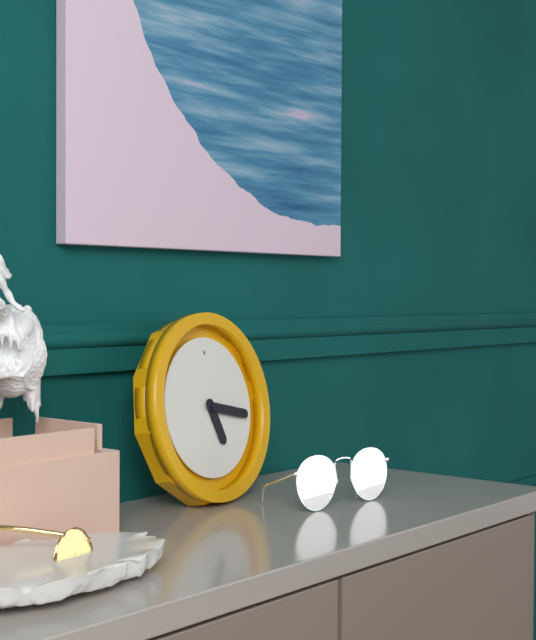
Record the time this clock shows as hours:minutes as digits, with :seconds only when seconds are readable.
5:17
